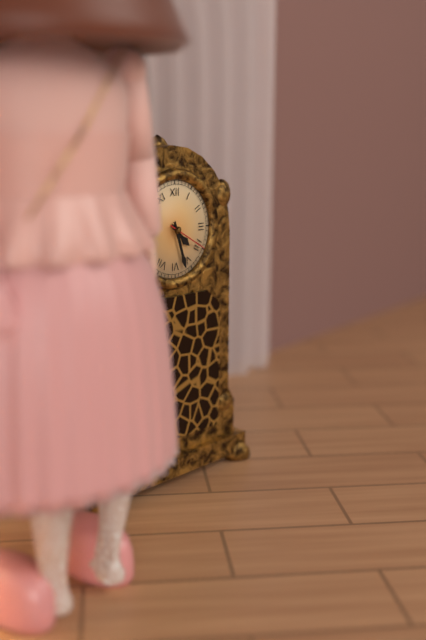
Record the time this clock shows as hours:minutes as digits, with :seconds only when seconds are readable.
4:27
